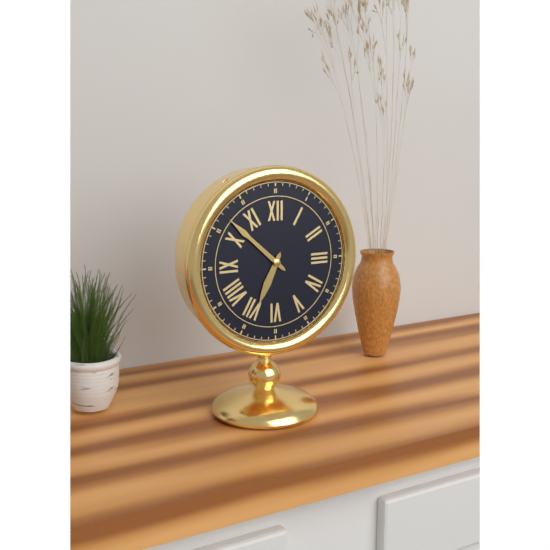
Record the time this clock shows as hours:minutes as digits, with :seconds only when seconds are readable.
6:52
